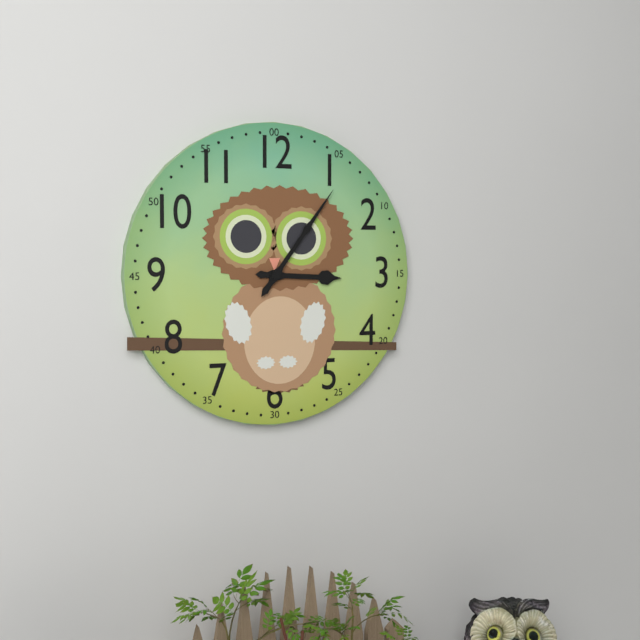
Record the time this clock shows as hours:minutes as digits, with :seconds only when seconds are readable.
3:06
